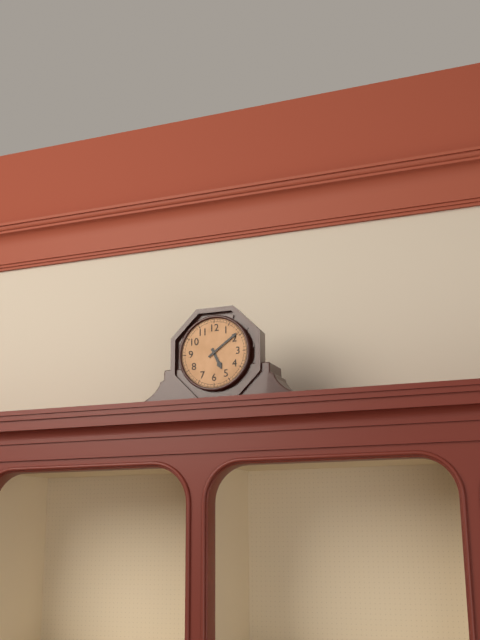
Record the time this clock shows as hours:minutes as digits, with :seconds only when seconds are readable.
5:09
